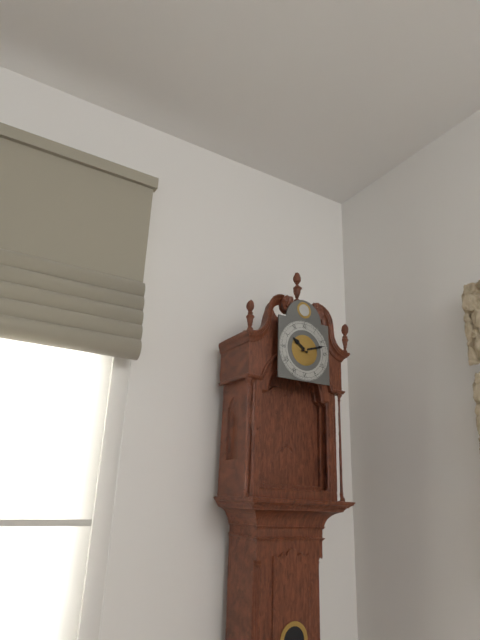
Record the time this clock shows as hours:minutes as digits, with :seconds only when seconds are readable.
10:12
